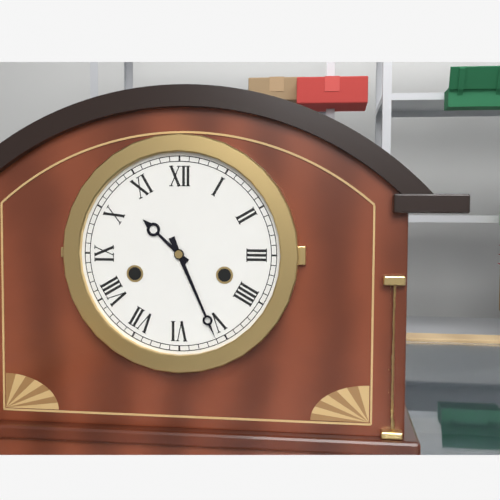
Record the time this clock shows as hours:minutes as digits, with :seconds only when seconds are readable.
10:26
